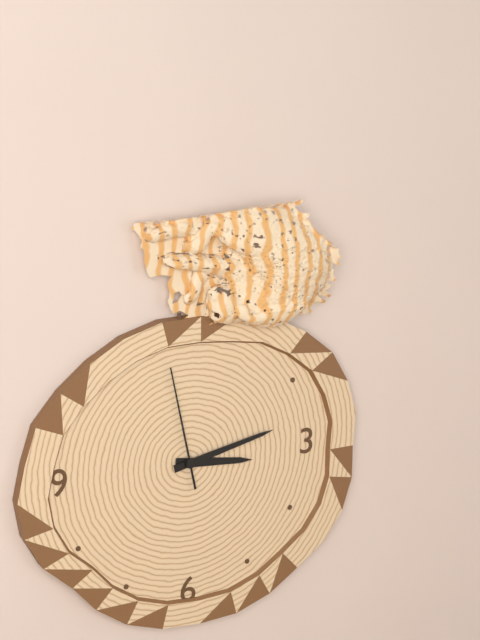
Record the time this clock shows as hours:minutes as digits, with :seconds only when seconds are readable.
3:13:58
